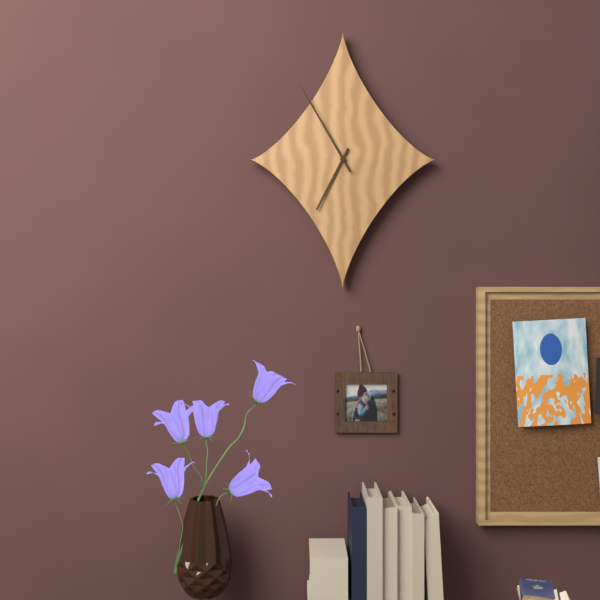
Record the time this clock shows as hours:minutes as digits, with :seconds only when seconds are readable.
6:55
